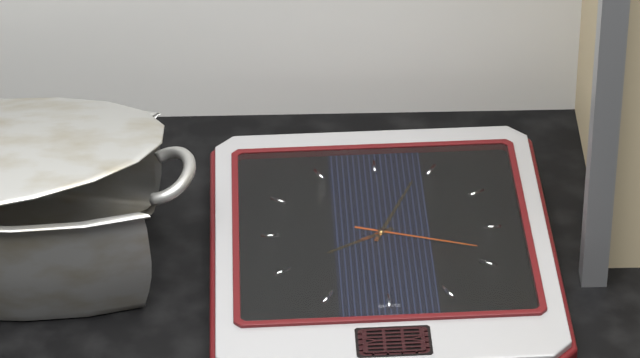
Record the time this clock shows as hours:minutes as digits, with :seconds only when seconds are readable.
8:04:18
